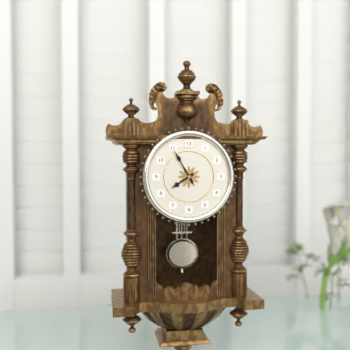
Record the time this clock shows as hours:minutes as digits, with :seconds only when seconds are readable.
7:55
